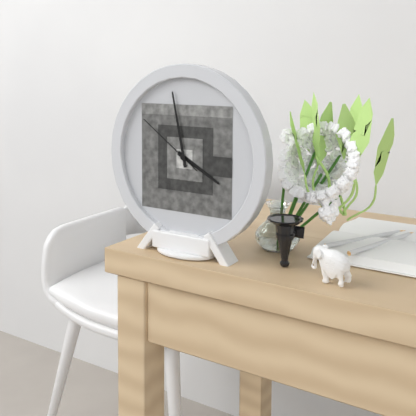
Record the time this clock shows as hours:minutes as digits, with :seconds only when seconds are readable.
3:58:51
